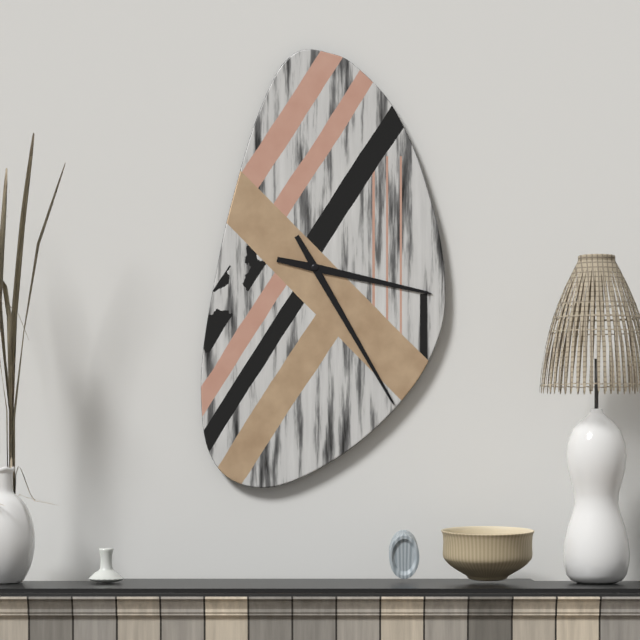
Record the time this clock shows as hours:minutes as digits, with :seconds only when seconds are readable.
3:25
